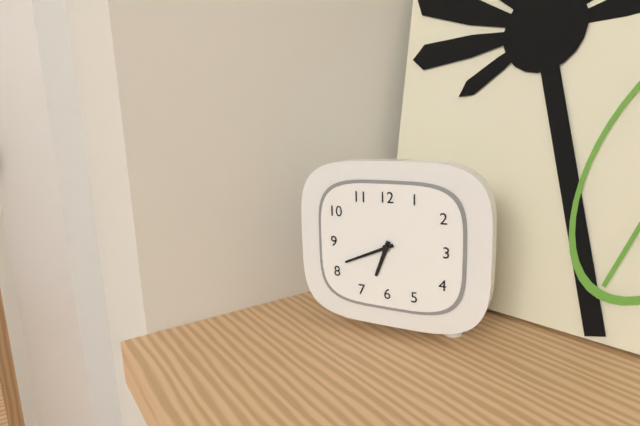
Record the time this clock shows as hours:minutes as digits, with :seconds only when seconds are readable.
6:41
